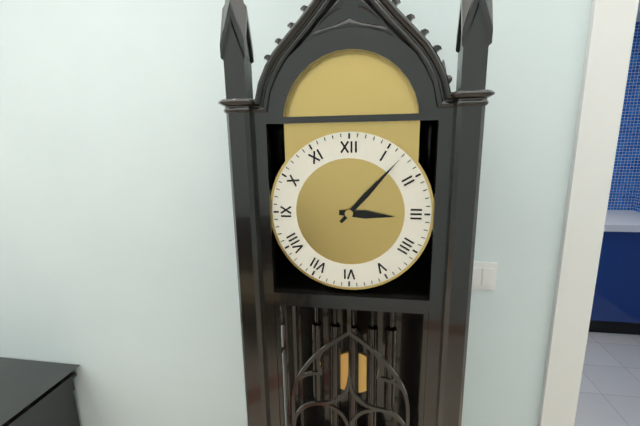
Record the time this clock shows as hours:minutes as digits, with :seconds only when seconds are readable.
3:07
